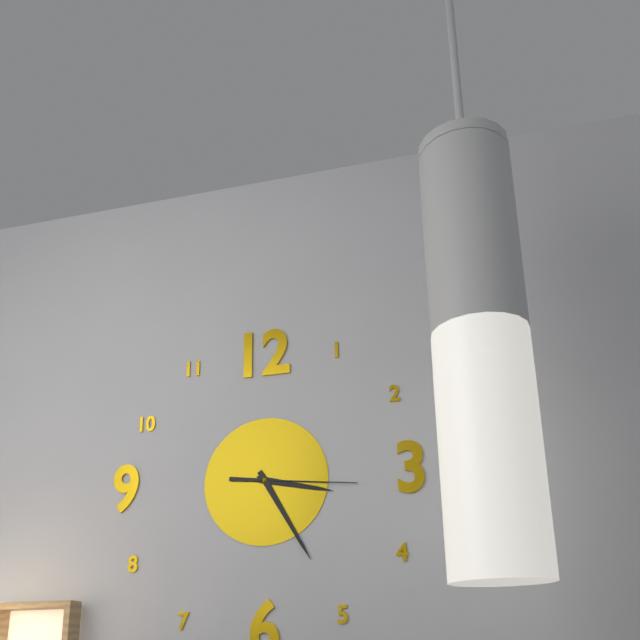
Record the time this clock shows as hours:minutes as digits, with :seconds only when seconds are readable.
3:25:16
